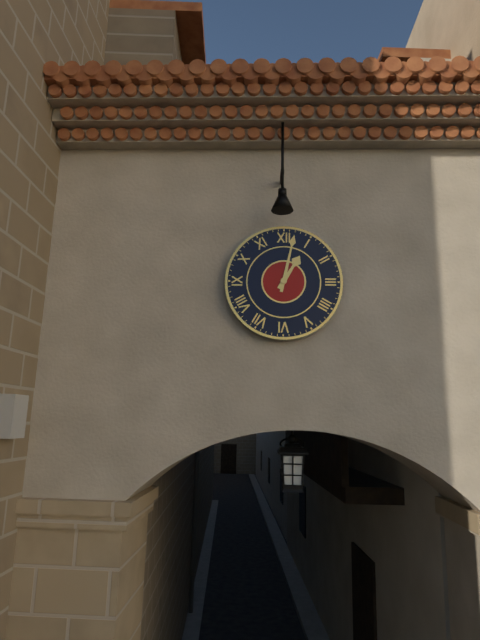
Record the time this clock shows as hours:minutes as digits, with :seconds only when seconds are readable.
1:02
